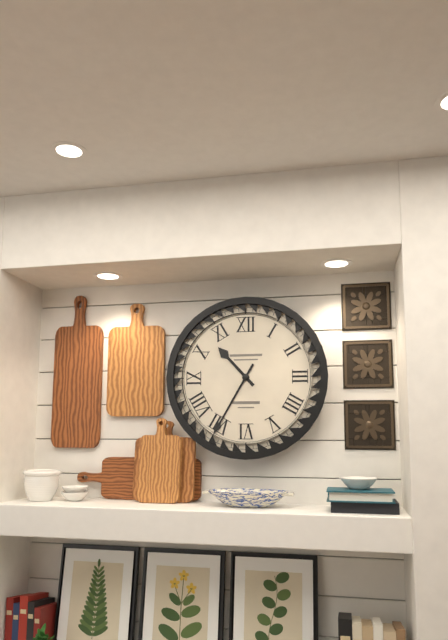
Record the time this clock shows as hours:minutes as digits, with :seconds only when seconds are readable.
10:35
